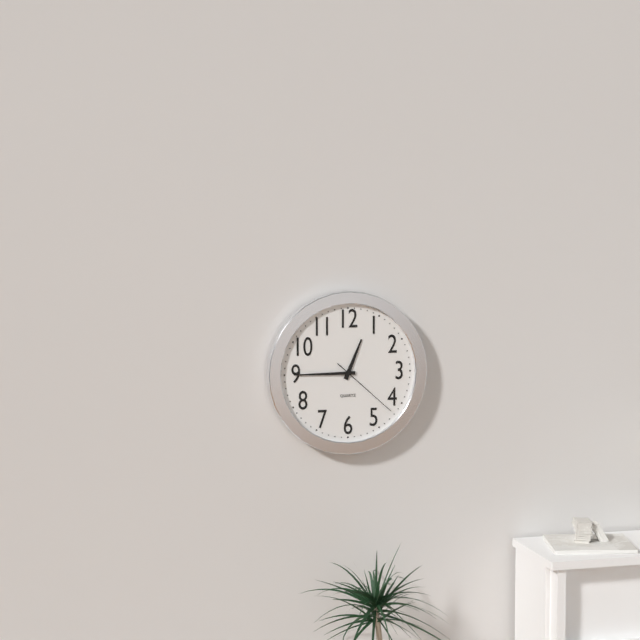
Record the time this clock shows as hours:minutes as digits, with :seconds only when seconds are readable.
12:45:22
